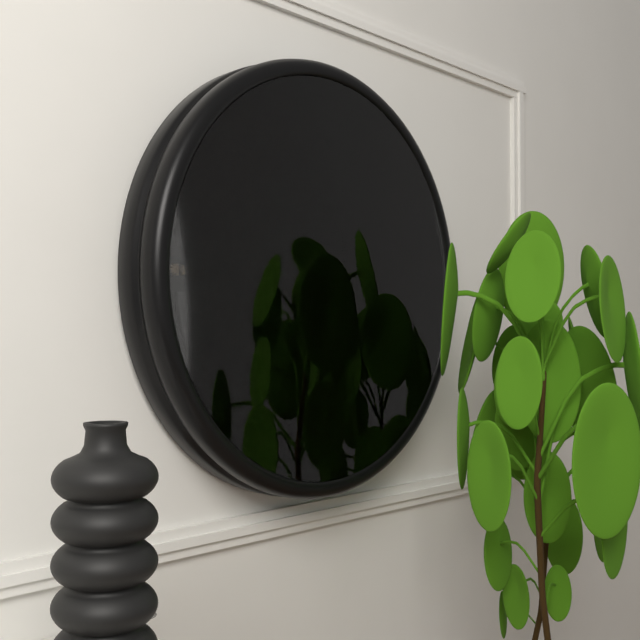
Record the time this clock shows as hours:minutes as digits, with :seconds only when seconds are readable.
9:43
